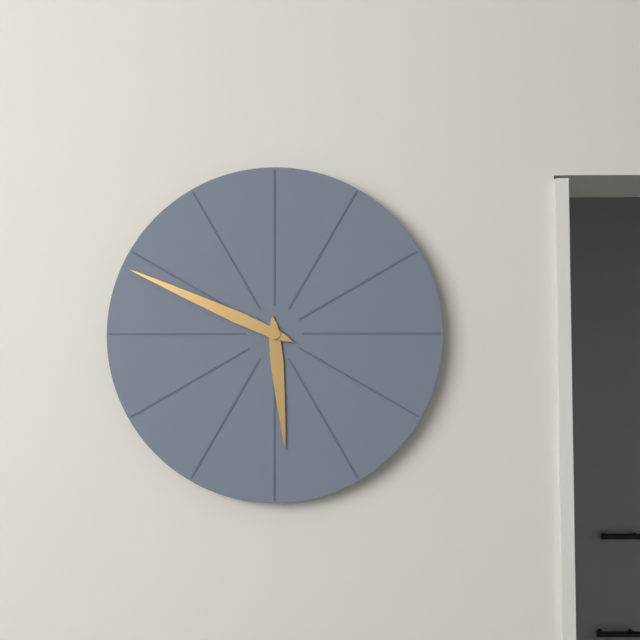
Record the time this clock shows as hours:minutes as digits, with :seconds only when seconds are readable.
5:49
